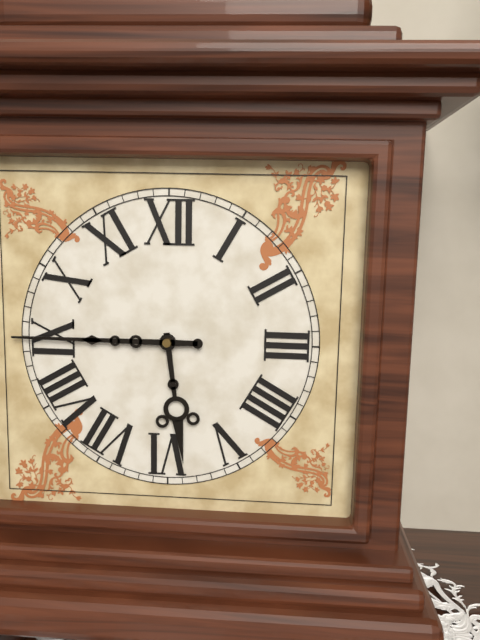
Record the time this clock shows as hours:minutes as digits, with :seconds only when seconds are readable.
5:45
